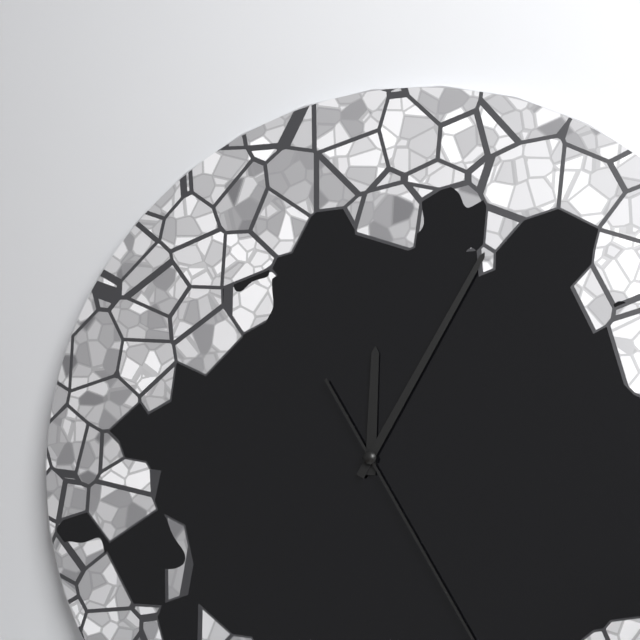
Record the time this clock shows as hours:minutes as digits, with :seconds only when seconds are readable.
12:05
